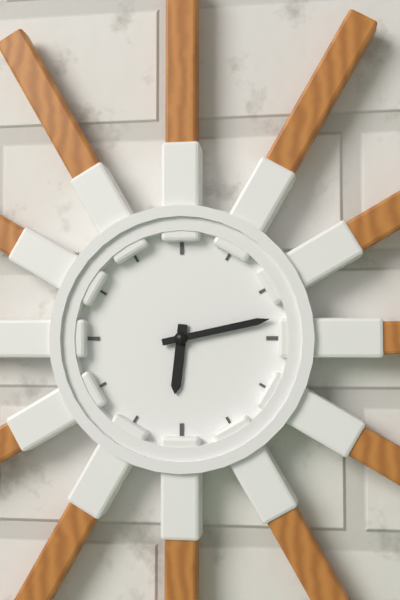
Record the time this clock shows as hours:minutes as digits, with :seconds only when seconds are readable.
6:13
